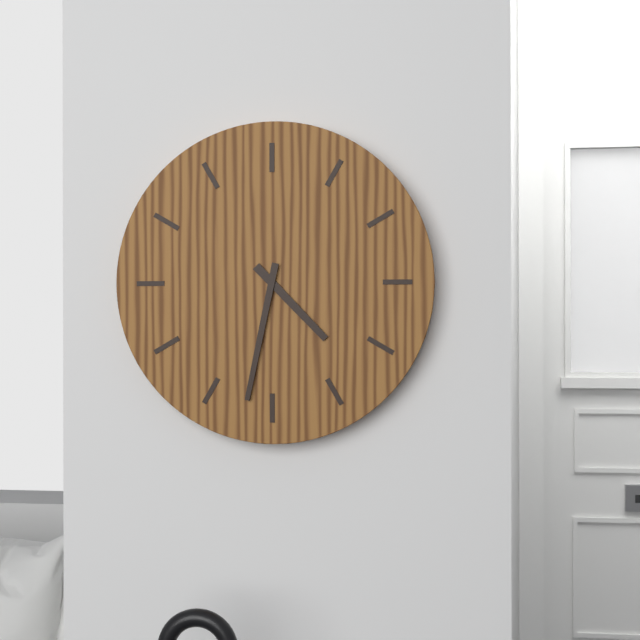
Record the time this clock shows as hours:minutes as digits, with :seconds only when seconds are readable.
4:32
